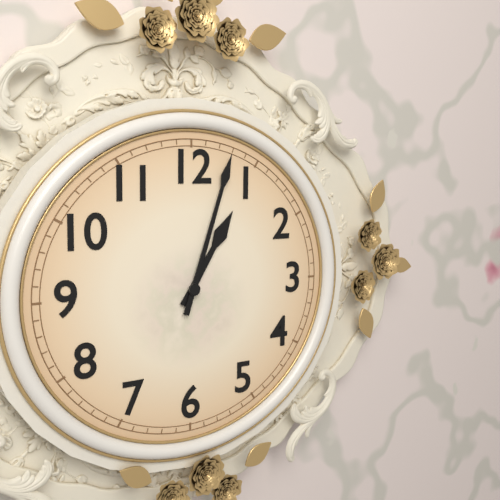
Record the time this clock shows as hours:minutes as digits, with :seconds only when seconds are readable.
1:03
